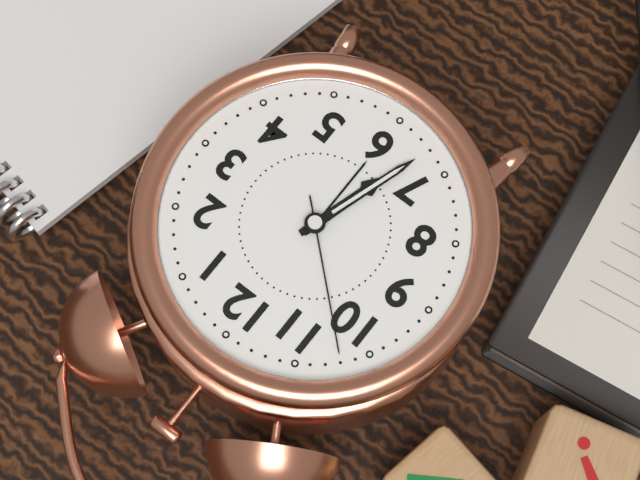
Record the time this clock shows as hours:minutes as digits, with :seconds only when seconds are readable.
6:33:52
